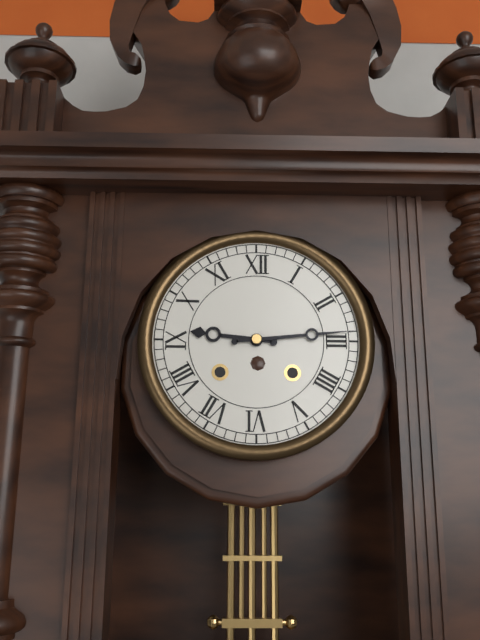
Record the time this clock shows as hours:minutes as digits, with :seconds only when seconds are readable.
9:14
